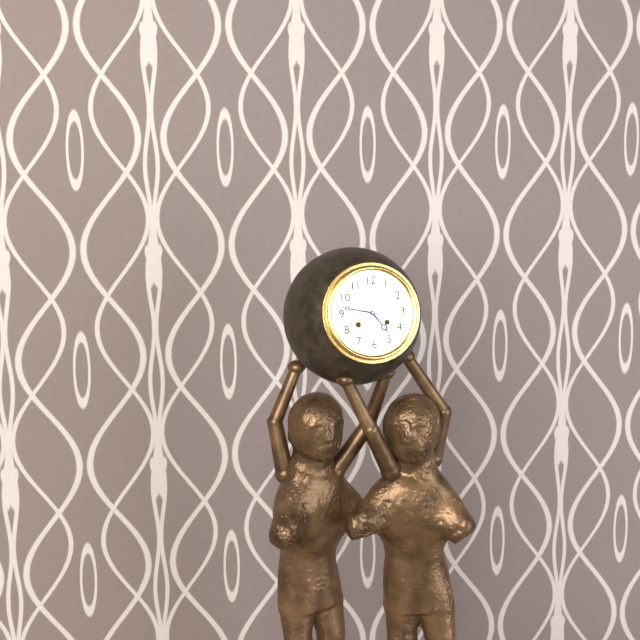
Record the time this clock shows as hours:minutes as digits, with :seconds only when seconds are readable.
4:47
